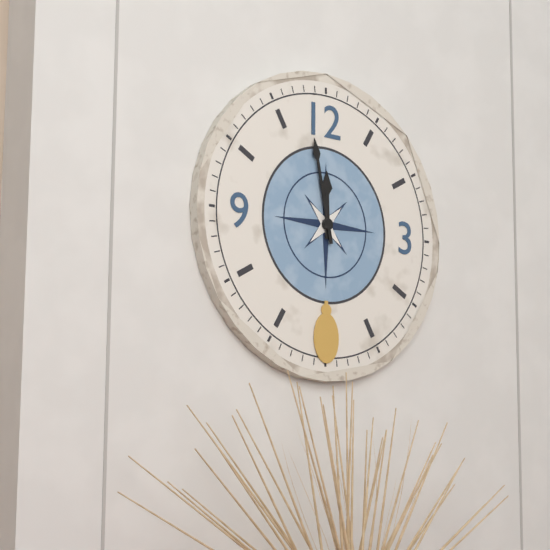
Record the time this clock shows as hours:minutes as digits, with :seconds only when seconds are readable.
11:58
